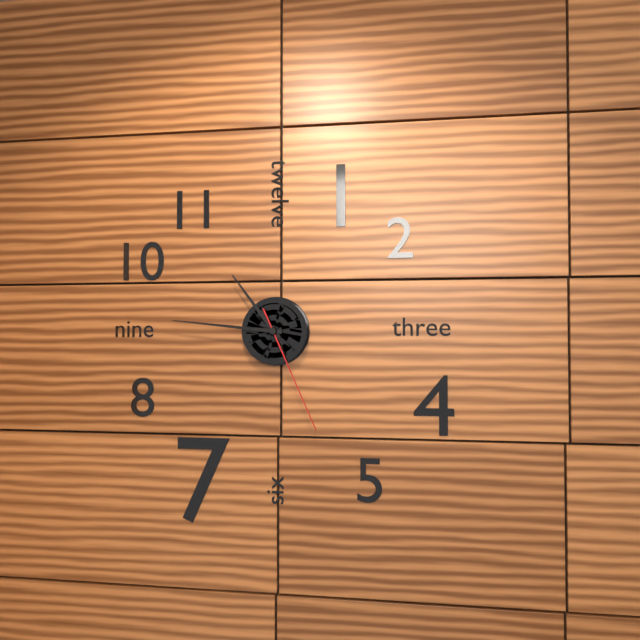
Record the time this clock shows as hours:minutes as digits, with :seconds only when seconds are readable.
10:46:26
